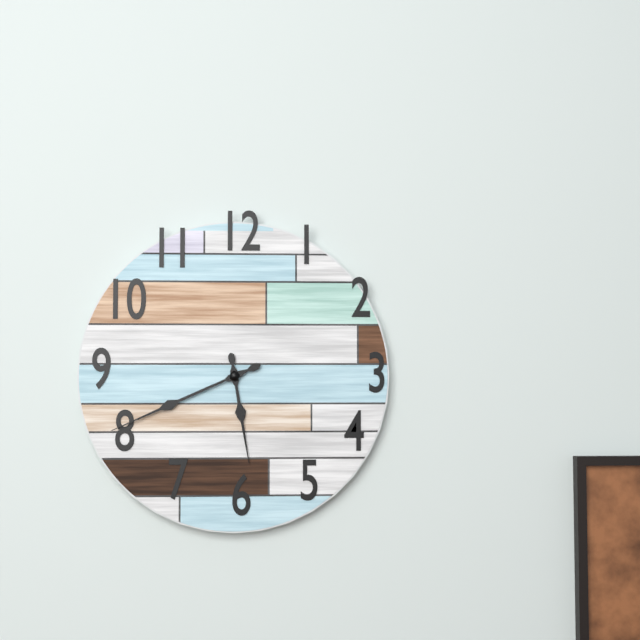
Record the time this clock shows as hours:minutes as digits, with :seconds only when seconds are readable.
5:41
